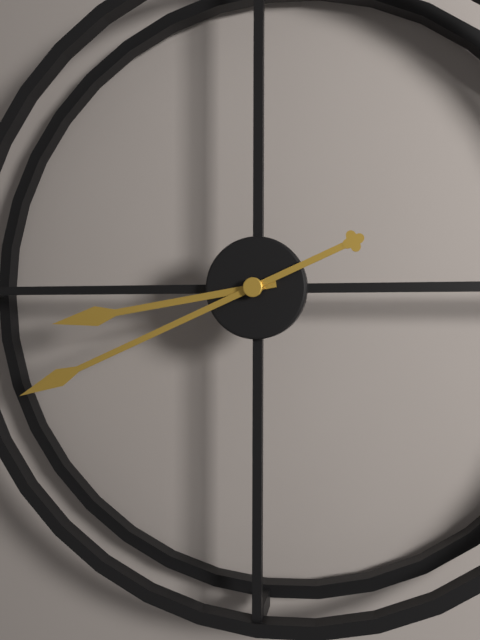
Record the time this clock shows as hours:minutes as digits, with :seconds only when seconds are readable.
8:41
